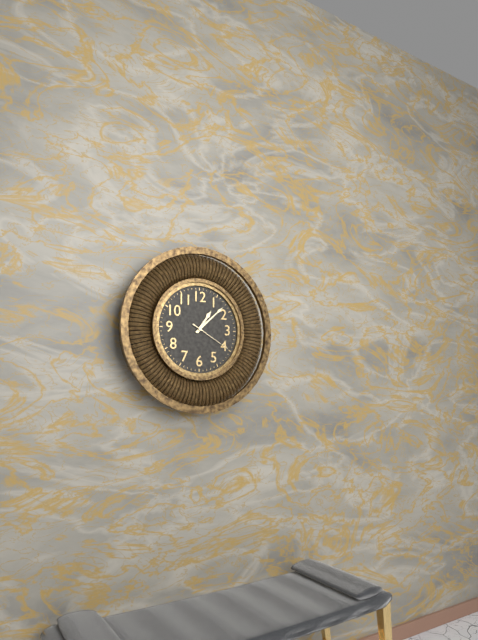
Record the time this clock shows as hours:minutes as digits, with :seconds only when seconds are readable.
1:08
